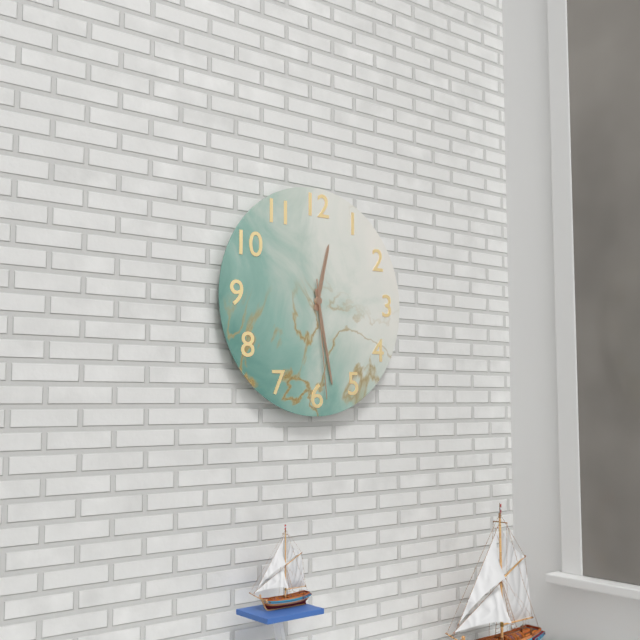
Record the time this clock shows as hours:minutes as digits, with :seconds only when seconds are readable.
12:28:29
